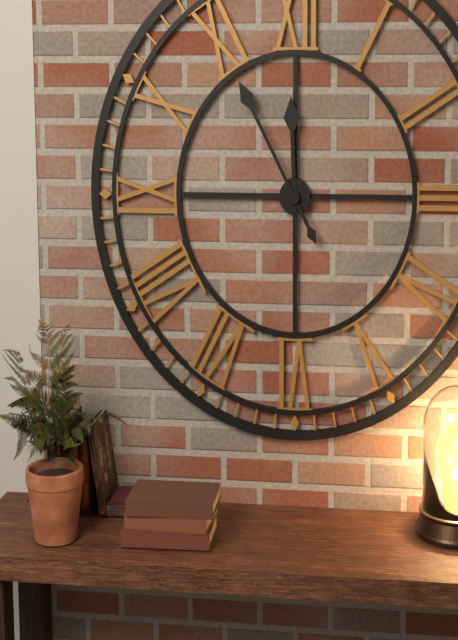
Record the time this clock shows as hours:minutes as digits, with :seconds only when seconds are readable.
11:55
